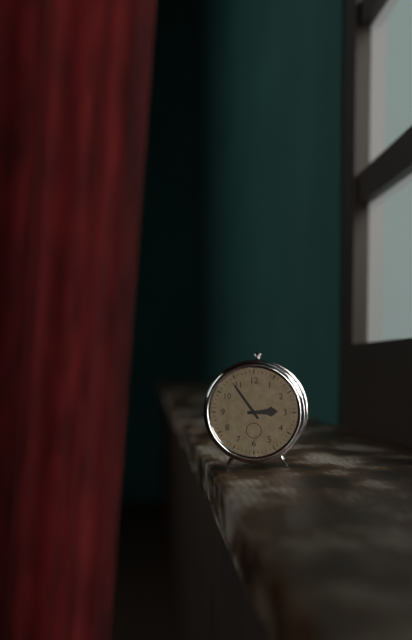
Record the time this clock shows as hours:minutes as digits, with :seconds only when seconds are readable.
2:54
